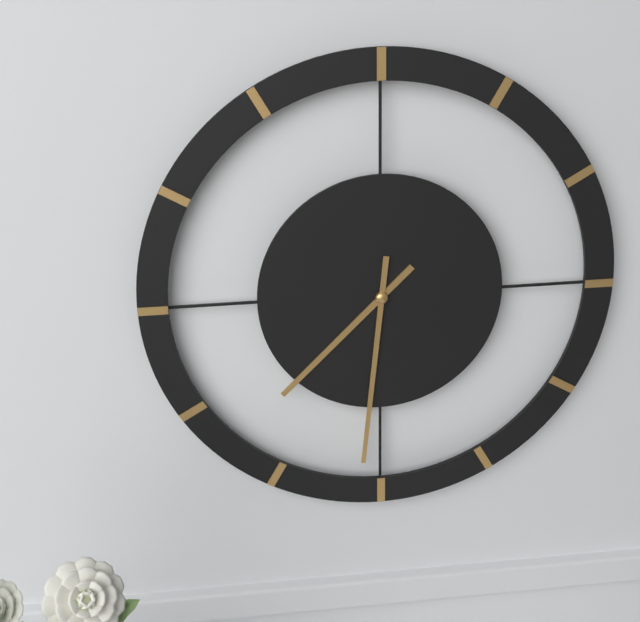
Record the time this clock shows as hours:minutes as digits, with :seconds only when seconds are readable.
7:31
